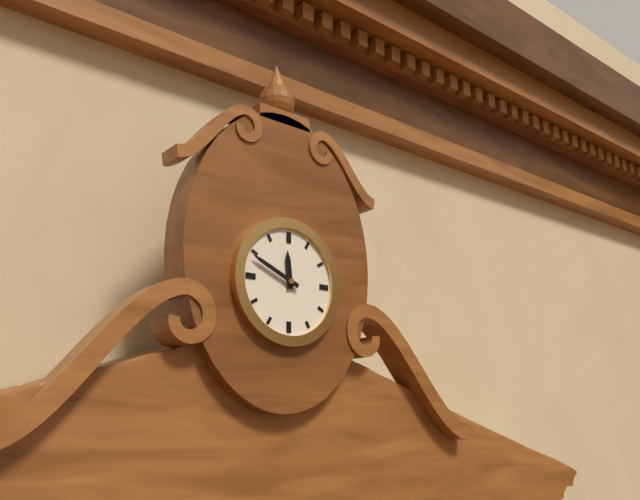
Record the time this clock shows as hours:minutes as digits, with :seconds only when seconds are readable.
11:49
